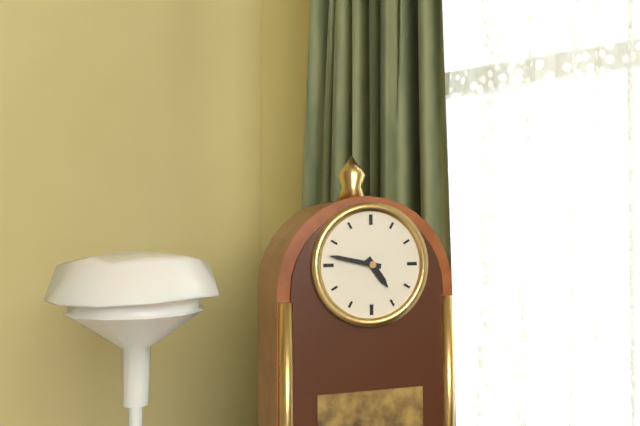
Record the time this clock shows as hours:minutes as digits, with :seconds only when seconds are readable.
4:47
